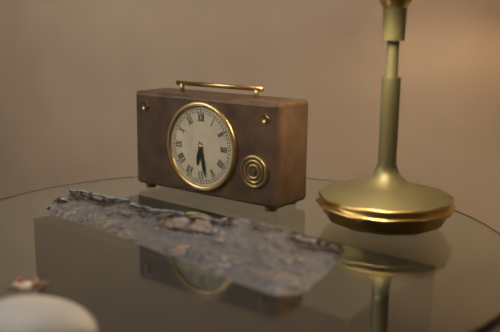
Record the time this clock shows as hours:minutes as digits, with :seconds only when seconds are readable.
6:28
